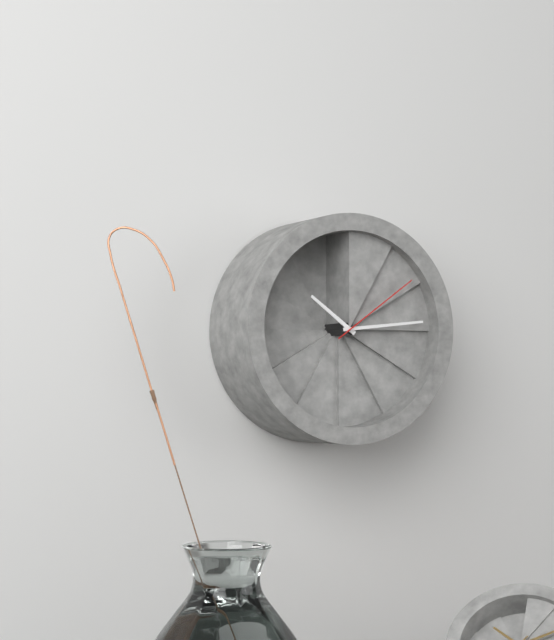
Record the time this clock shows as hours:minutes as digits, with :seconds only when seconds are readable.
10:14:09
